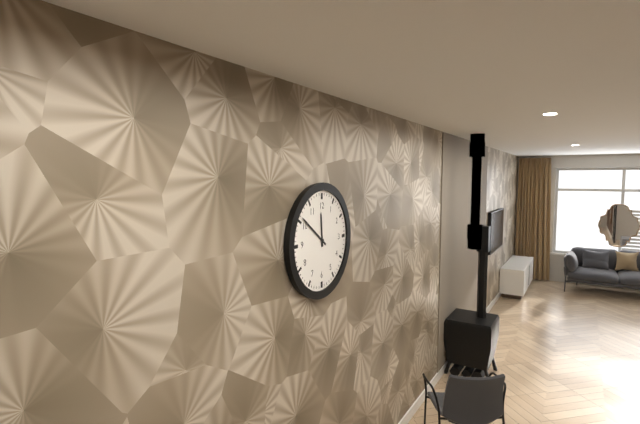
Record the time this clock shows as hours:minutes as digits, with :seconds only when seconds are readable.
11:51
